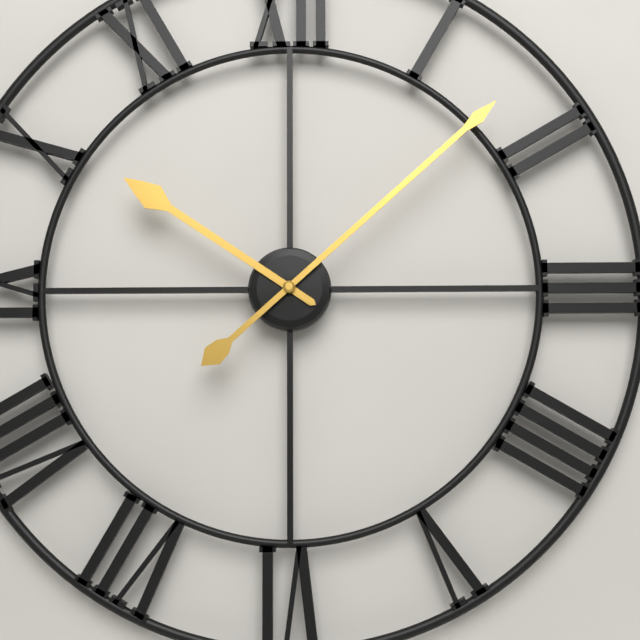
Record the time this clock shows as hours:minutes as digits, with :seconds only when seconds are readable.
10:08
